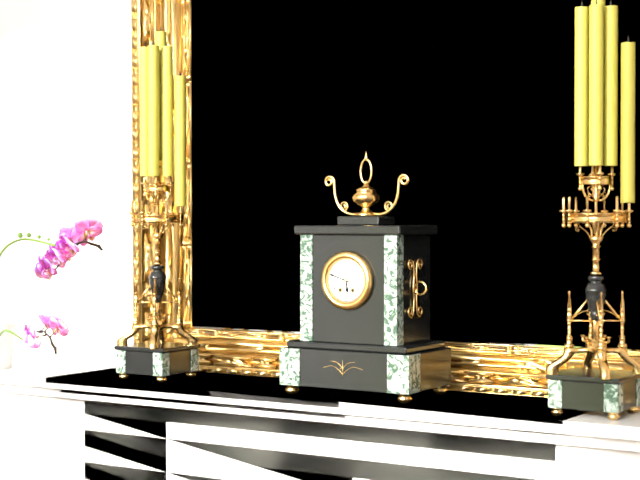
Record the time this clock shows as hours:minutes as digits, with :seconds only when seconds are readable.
5:48
